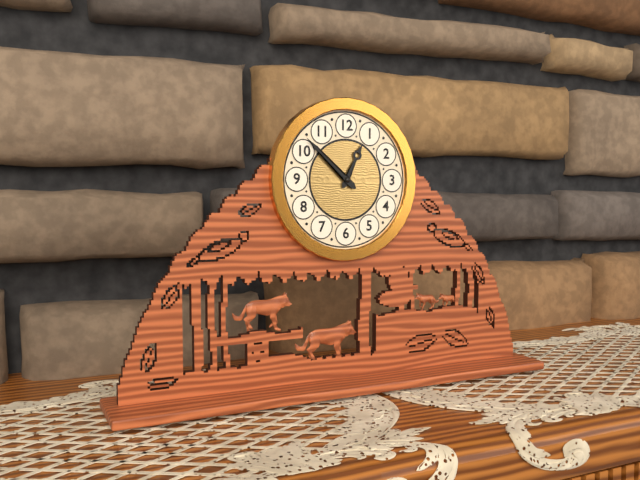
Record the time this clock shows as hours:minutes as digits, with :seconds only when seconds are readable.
12:52
